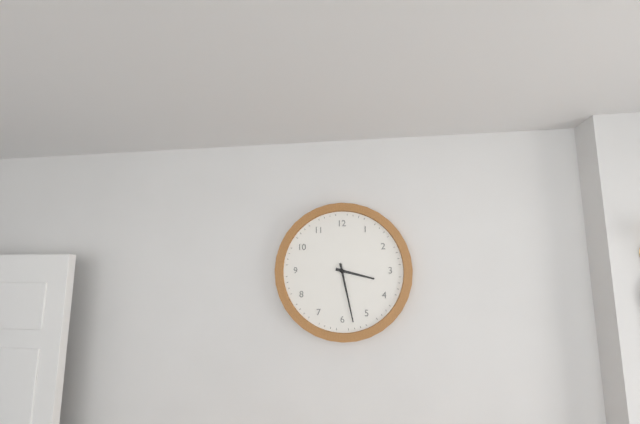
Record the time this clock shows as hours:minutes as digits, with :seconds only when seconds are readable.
3:28
